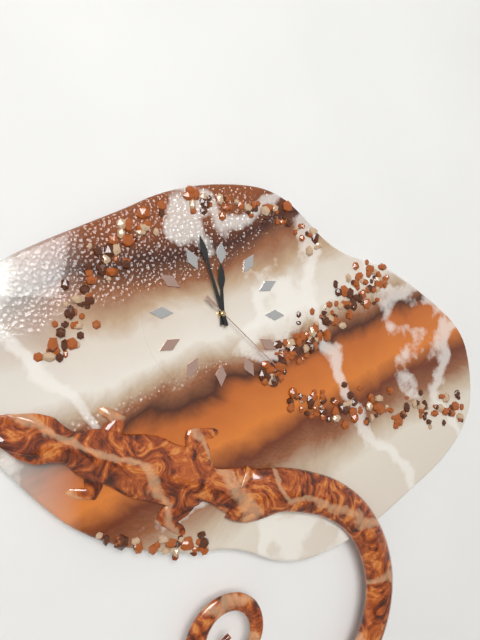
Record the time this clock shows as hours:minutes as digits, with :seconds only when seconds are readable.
11:57:22
